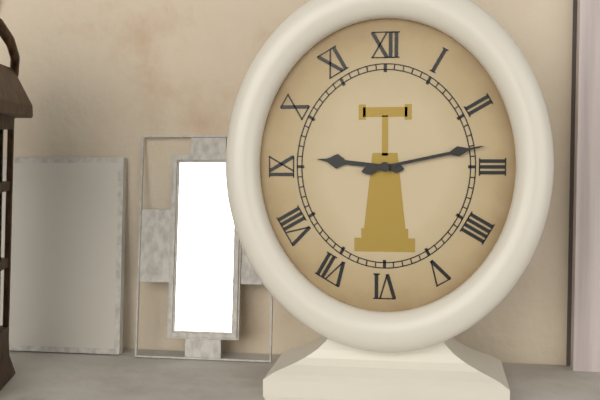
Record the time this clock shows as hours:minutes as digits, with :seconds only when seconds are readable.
9:13
